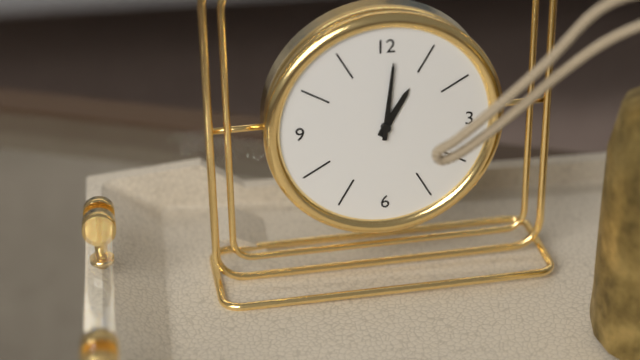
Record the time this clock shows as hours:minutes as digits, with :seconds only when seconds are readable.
1:01
